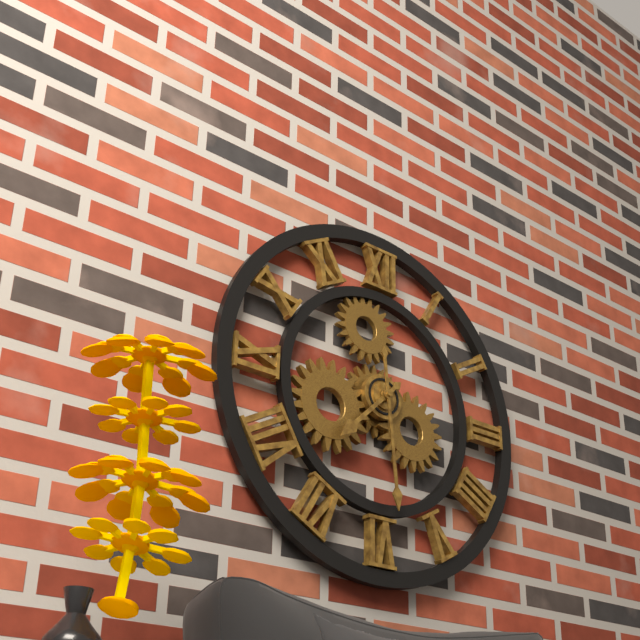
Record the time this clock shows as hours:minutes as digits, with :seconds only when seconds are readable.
7:29
